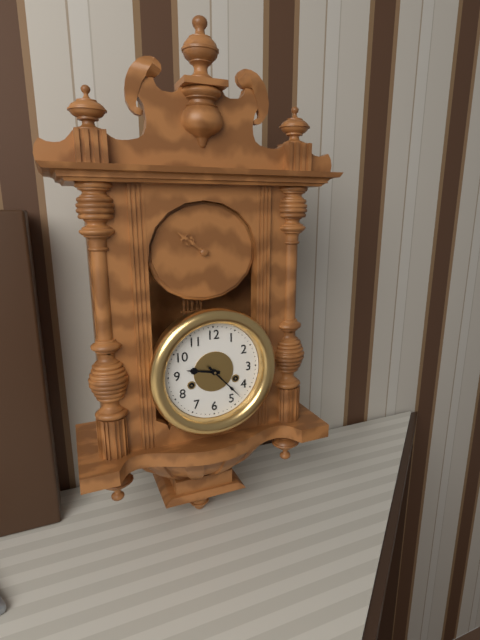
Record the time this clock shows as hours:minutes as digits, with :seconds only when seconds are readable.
9:23
